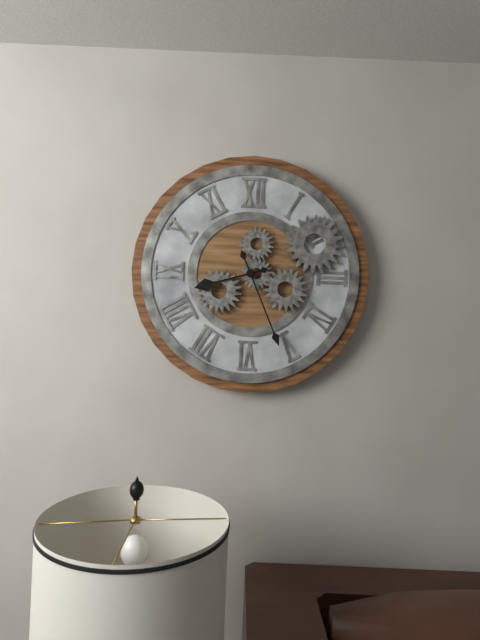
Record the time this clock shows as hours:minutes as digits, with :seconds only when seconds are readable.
8:26
